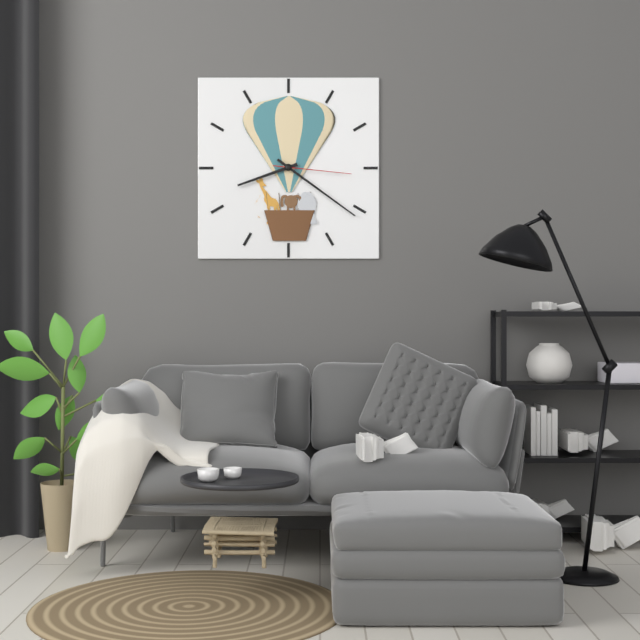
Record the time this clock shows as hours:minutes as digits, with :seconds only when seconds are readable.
8:21:16
